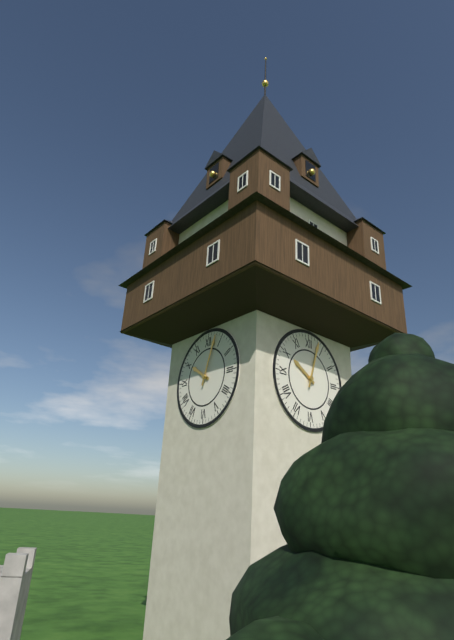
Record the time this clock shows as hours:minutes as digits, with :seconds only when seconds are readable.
10:03
